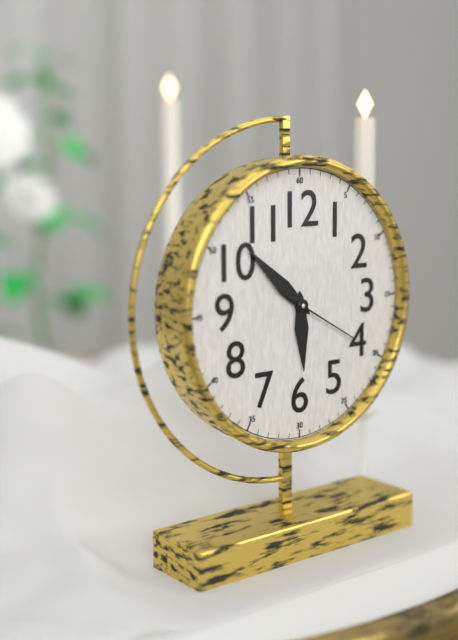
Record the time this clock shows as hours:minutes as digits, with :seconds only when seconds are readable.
5:52:20
